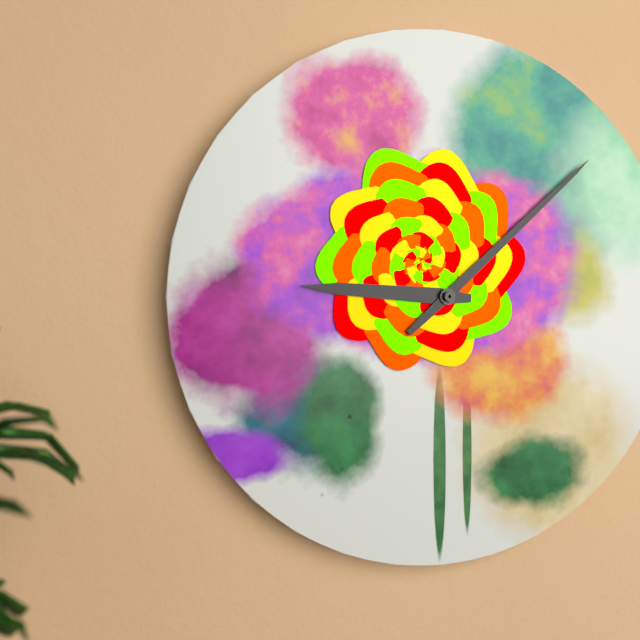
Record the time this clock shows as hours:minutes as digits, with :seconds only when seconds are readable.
9:08
